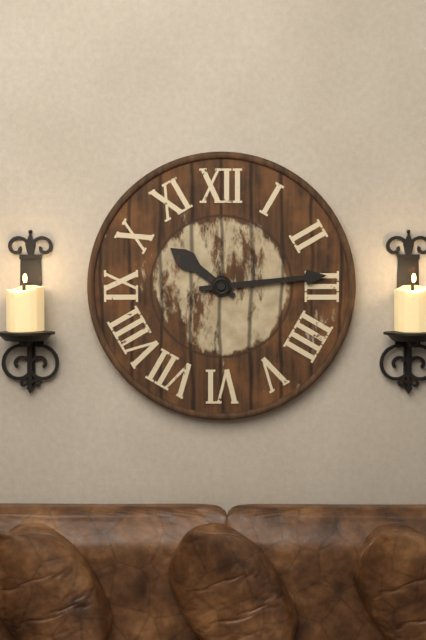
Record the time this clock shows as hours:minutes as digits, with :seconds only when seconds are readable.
10:14
